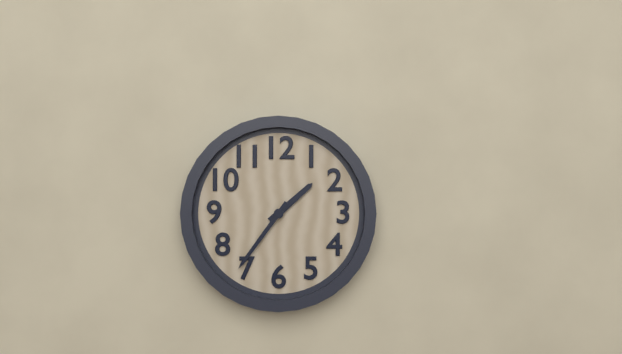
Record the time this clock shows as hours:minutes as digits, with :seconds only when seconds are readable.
1:36
